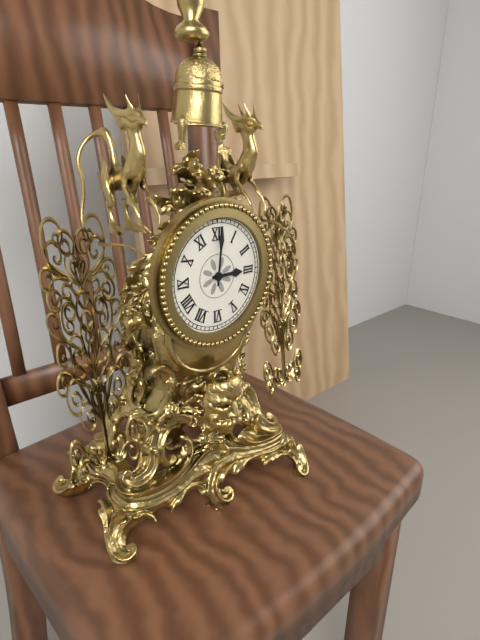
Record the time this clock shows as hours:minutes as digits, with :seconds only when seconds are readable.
3:01
